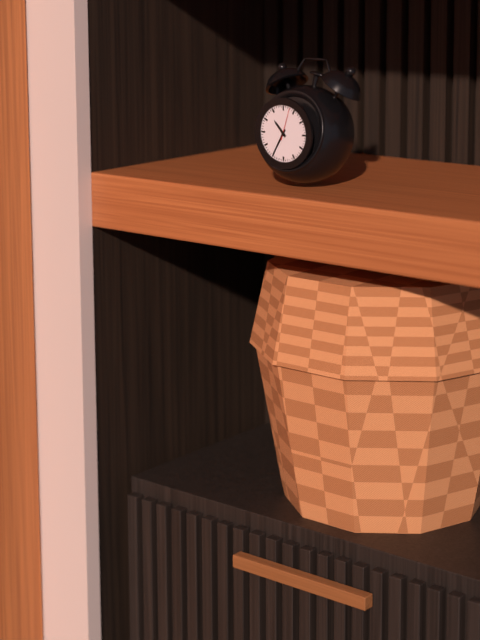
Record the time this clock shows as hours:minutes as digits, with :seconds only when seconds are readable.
10:35
